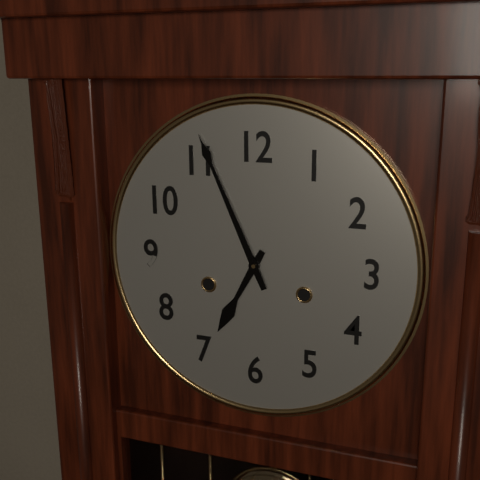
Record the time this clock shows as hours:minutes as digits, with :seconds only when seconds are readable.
6:56
